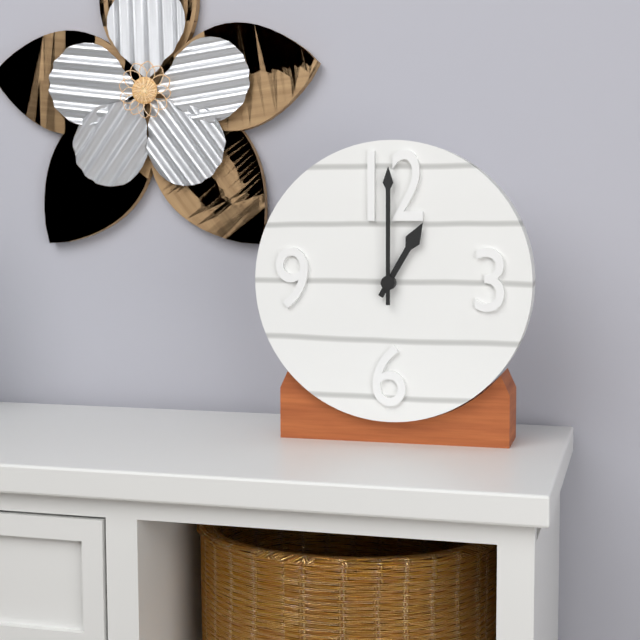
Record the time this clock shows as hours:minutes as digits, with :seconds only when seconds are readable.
1:00
